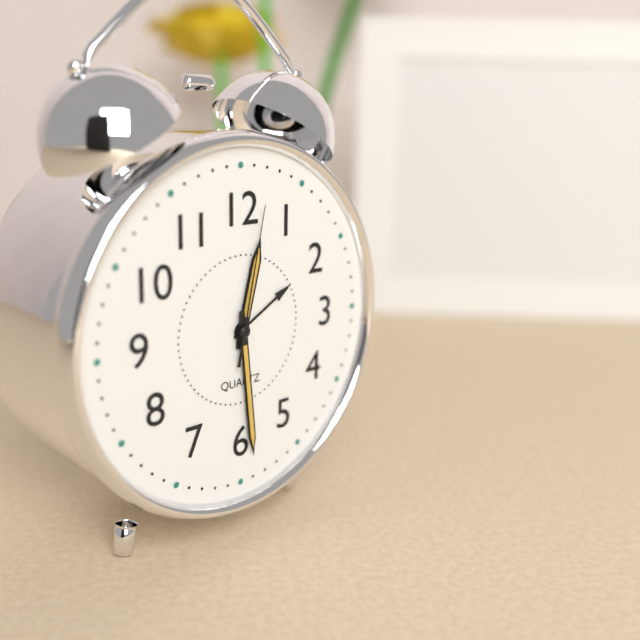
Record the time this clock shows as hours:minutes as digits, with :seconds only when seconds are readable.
12:29:02
